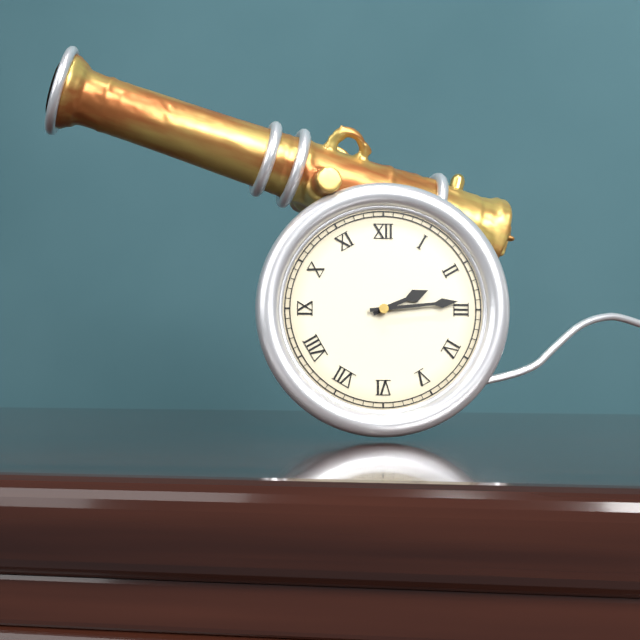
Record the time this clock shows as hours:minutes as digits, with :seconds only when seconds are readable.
2:14
